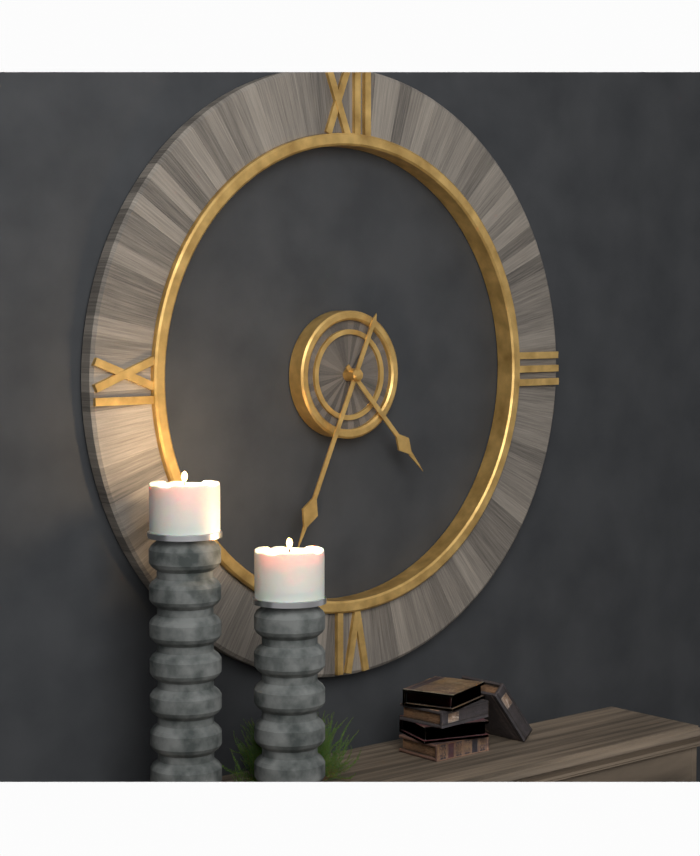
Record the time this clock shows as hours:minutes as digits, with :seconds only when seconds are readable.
4:34
